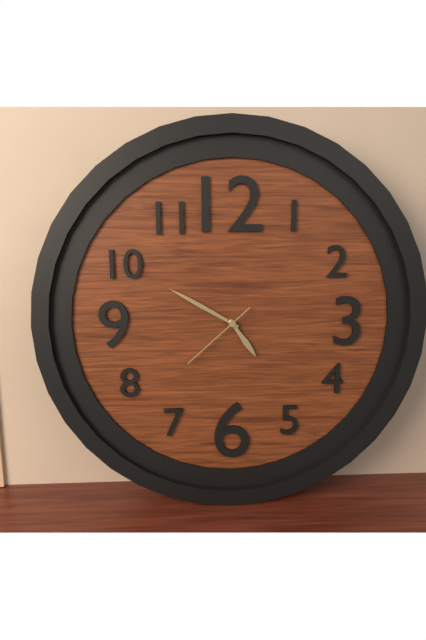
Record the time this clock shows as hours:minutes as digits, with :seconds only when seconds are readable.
4:50:38
